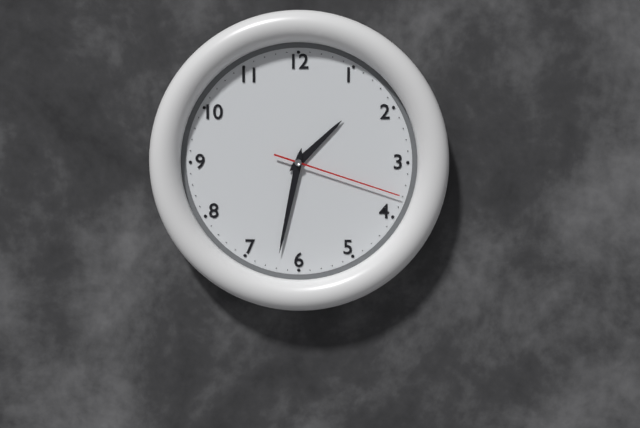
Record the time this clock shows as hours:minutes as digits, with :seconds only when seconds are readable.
1:32:18
